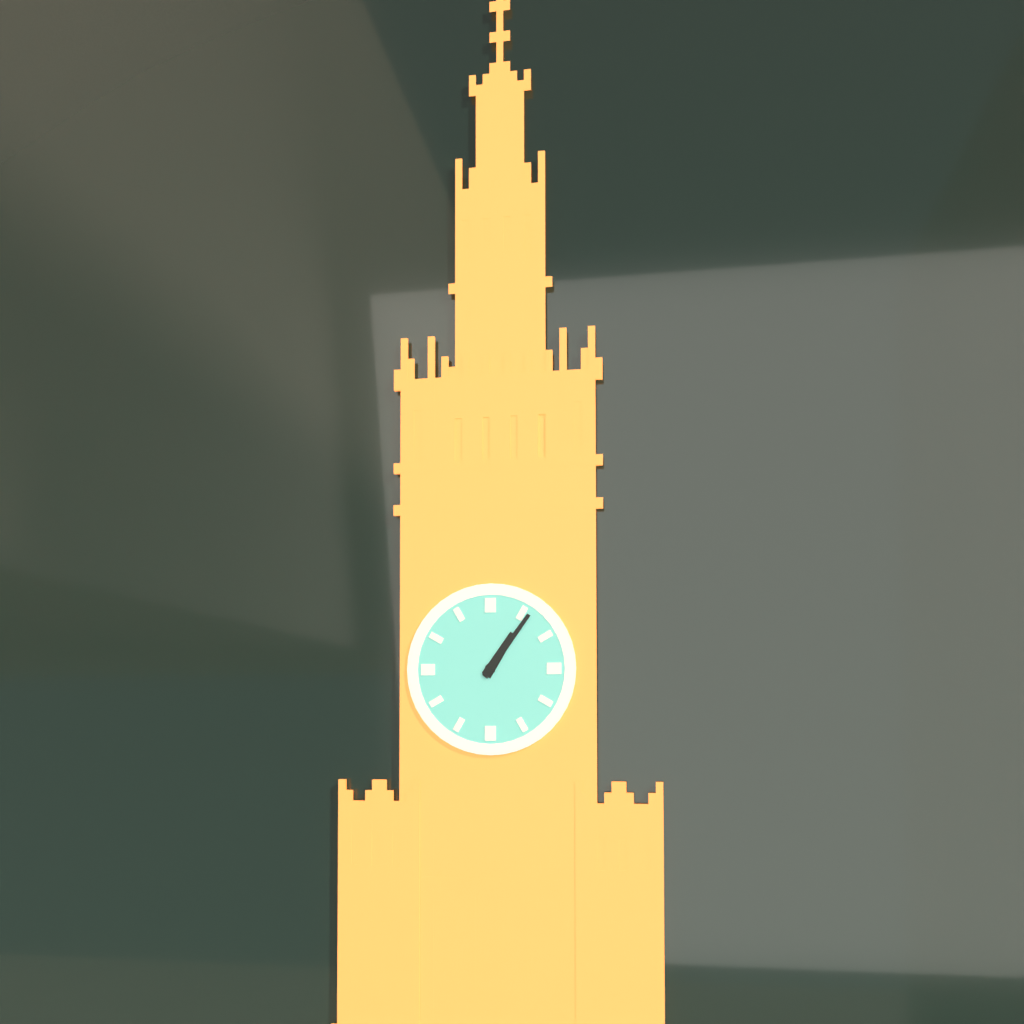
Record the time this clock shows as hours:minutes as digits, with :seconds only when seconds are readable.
1:06
